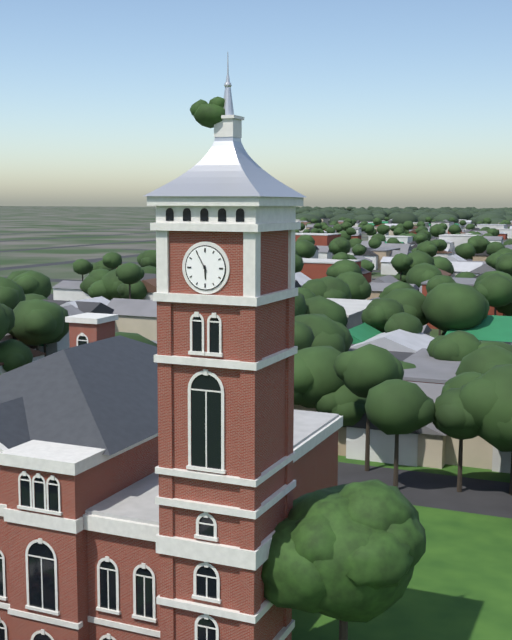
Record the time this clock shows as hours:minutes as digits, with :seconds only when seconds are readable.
5:55
